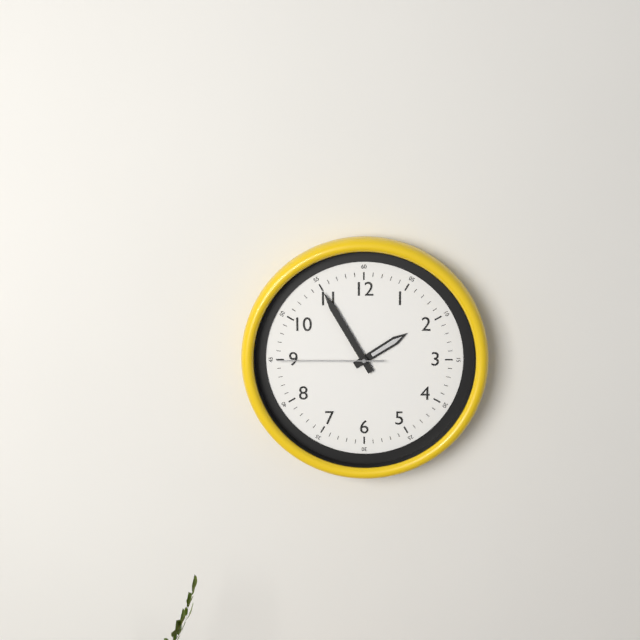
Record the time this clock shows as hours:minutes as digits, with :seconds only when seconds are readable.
1:55:45
